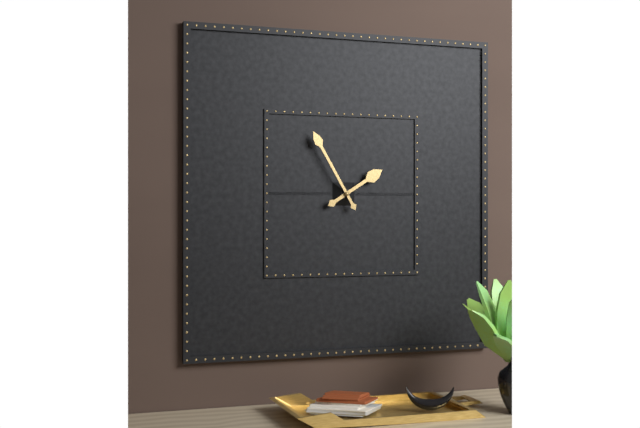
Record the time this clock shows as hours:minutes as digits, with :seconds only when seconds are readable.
1:55
